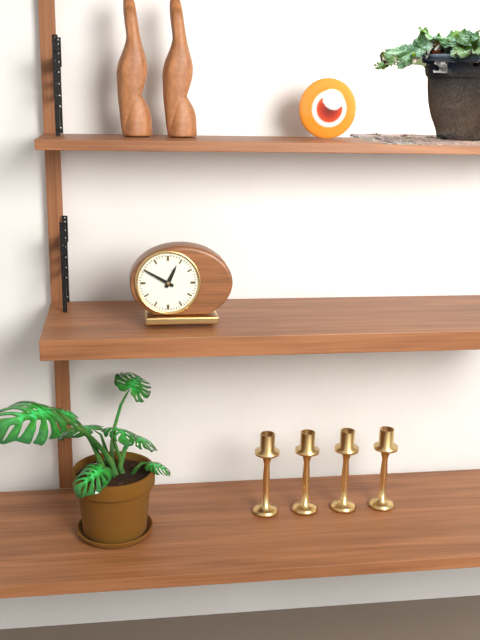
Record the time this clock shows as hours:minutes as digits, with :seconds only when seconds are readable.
12:50
